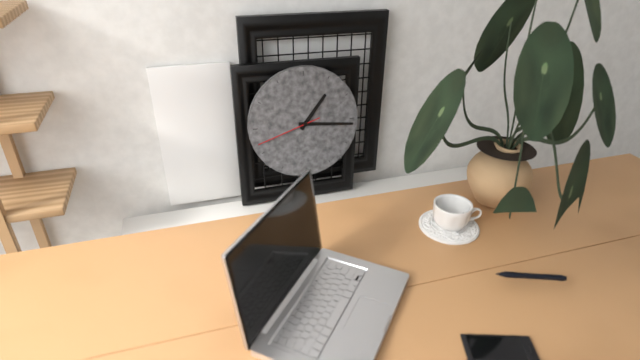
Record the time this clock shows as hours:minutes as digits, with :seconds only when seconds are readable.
1:16:42
